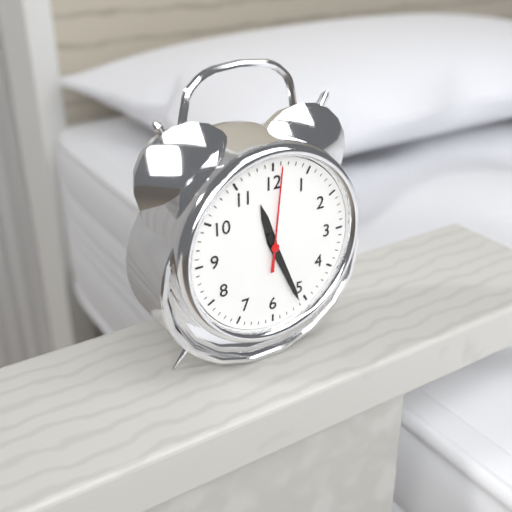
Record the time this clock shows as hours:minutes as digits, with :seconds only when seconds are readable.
11:26:01
